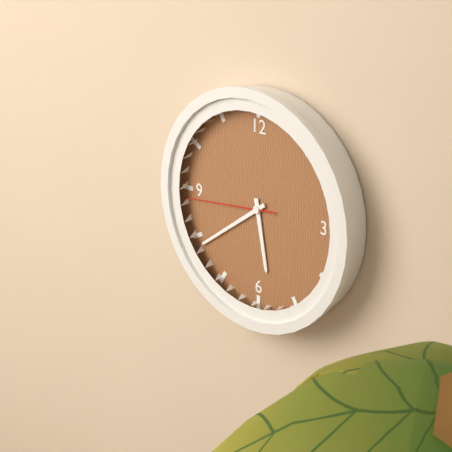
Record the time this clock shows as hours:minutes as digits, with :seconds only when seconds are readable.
5:39:44
